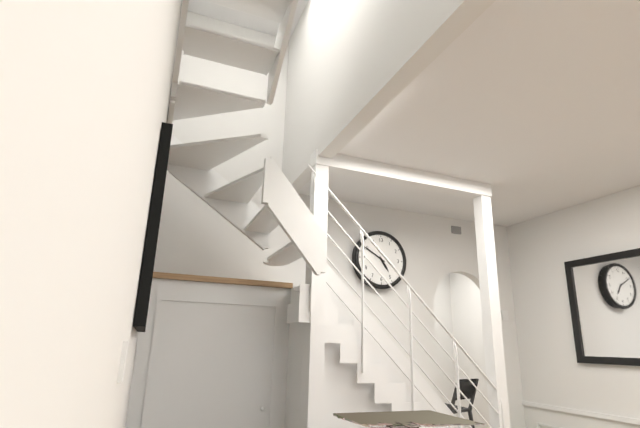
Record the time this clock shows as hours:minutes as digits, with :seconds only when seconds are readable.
4:50
